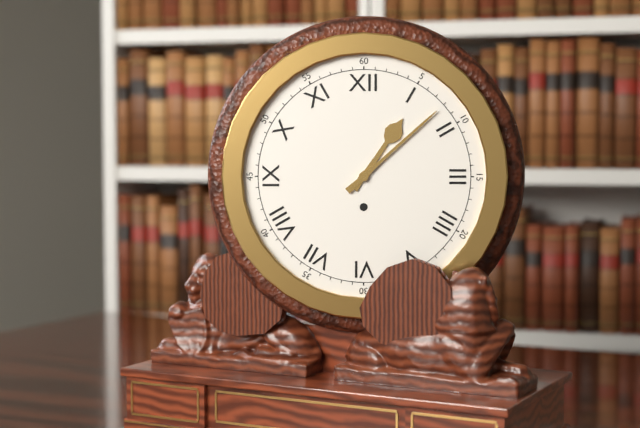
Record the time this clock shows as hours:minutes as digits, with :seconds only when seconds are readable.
1:08
